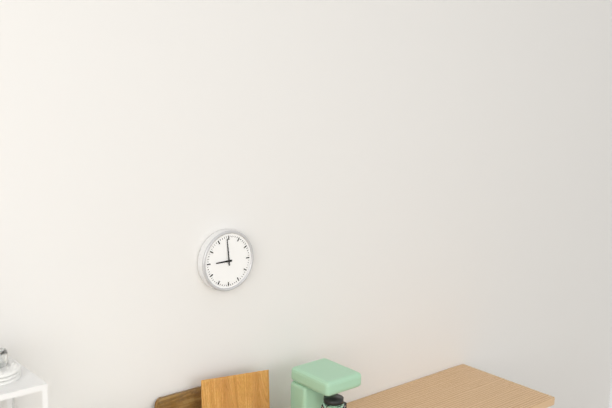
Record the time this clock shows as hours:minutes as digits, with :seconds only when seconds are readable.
8:59
